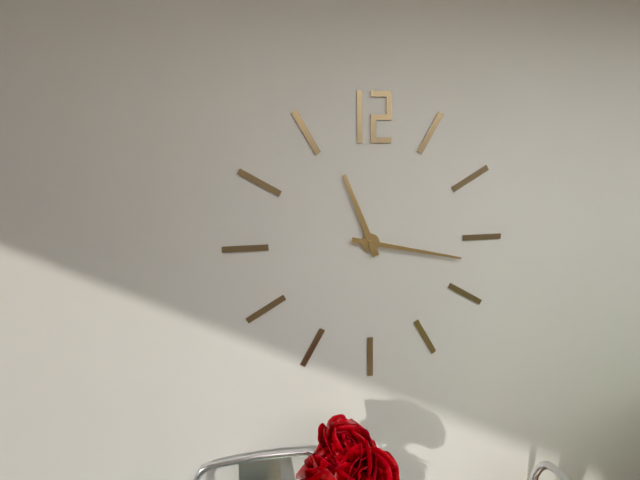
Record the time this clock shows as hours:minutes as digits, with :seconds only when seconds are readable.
11:17
